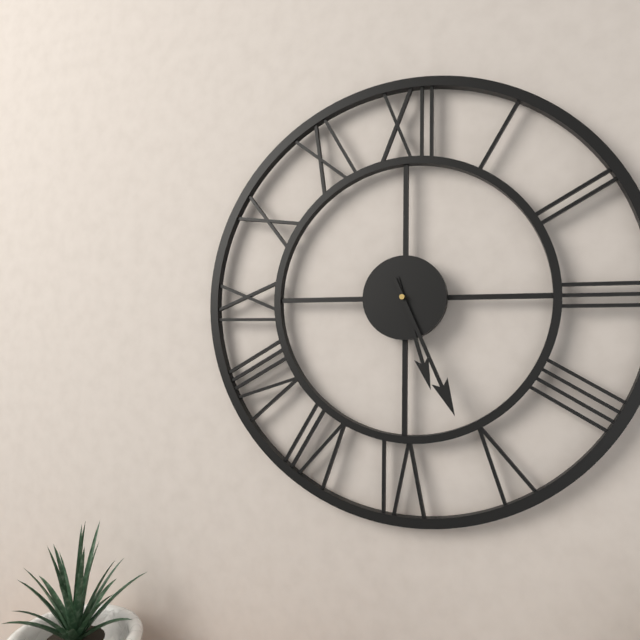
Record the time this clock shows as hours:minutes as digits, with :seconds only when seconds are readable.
5:26
